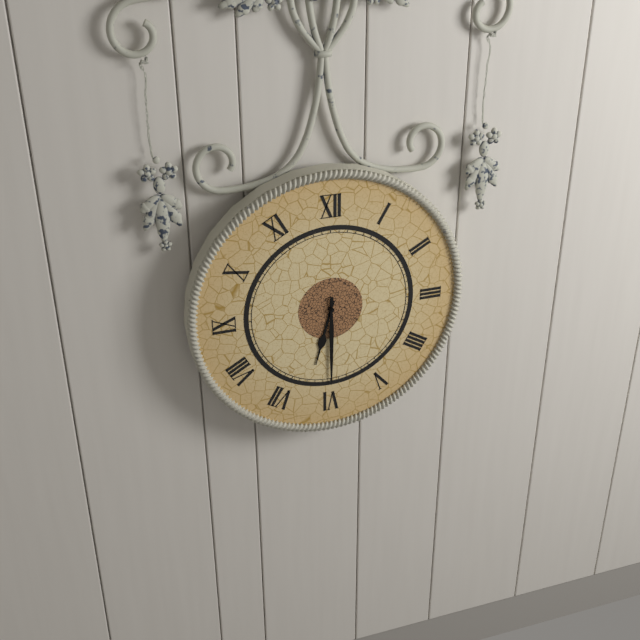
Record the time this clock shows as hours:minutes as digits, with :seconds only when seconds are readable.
6:30
